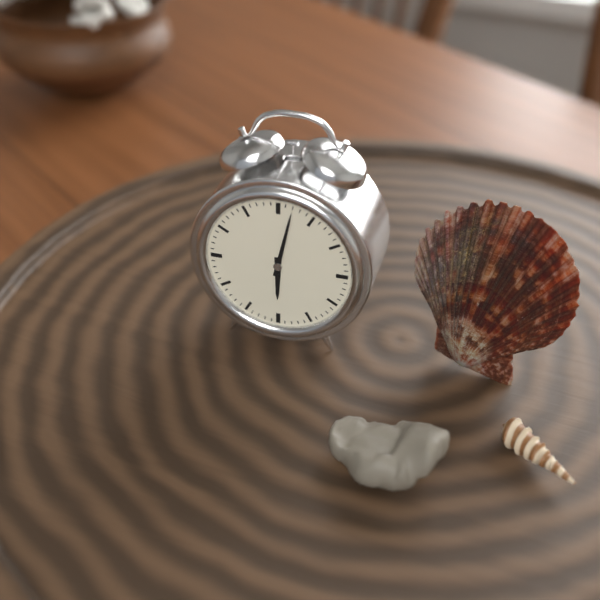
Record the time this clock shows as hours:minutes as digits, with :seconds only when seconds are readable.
6:02
